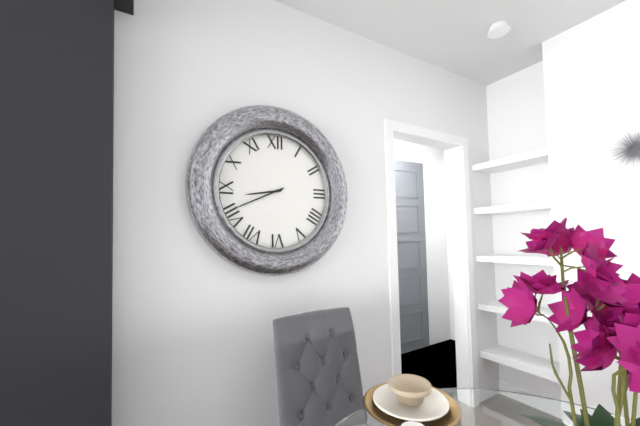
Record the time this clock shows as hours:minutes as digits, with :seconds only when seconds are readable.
8:41
